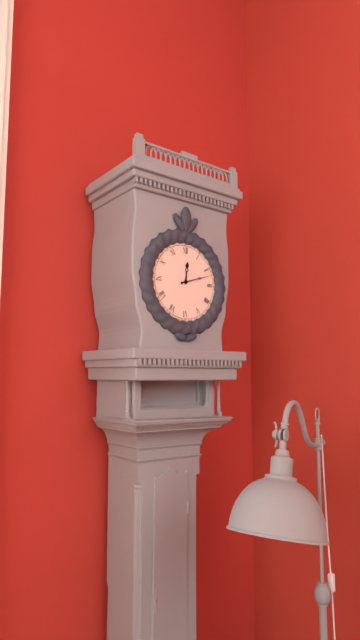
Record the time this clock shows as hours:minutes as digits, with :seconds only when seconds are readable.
12:12
